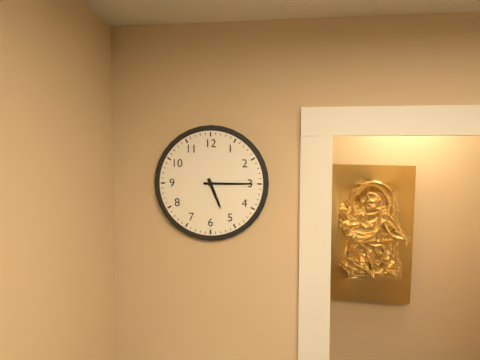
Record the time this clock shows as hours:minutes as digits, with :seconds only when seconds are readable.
5:15
